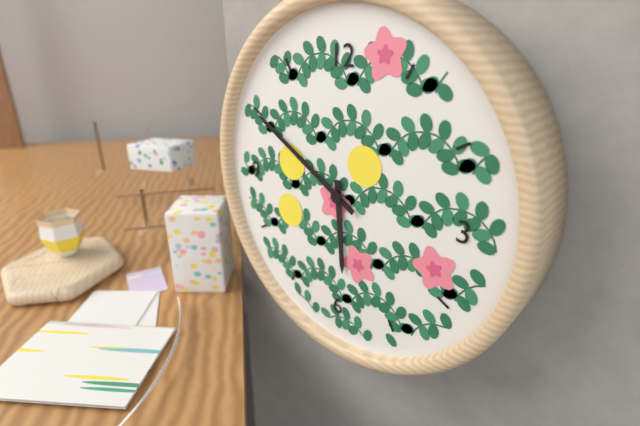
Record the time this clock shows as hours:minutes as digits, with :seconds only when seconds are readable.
5:50
